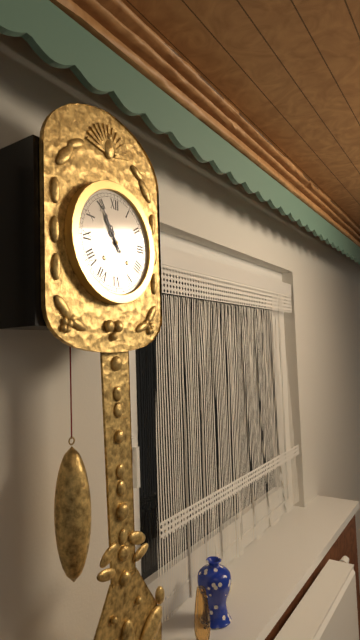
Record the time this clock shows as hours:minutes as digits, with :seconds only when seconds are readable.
10:55
